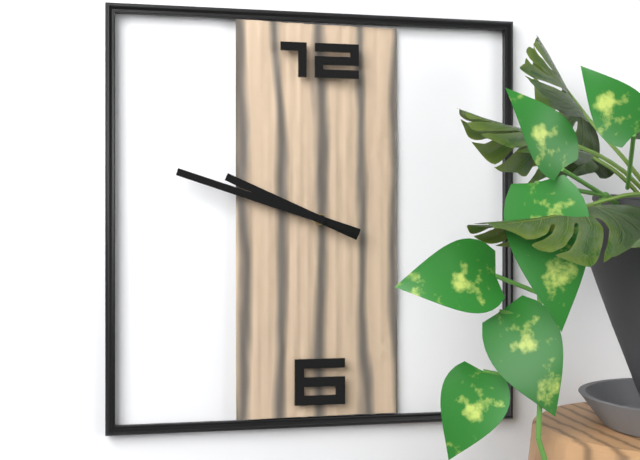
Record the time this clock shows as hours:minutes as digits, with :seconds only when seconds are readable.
9:48
